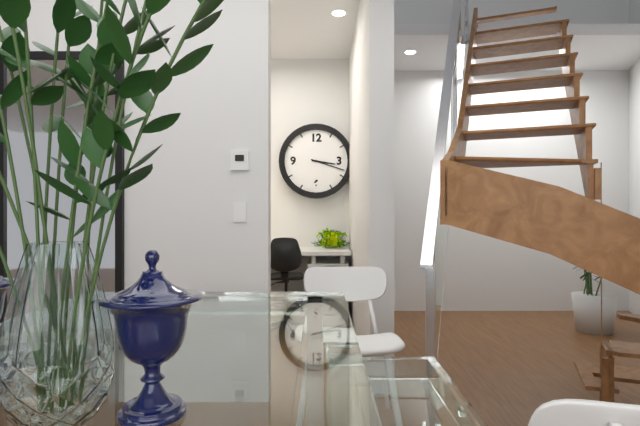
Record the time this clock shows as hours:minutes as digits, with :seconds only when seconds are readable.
3:18
